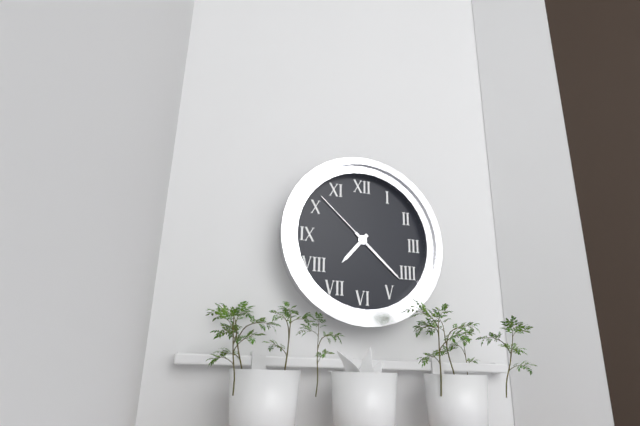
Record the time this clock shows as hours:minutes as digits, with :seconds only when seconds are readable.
7:22:52
